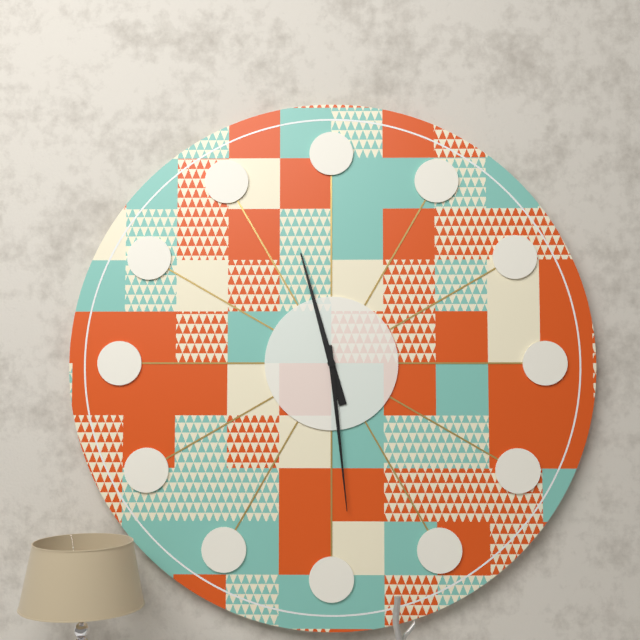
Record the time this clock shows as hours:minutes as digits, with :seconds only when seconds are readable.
11:29
